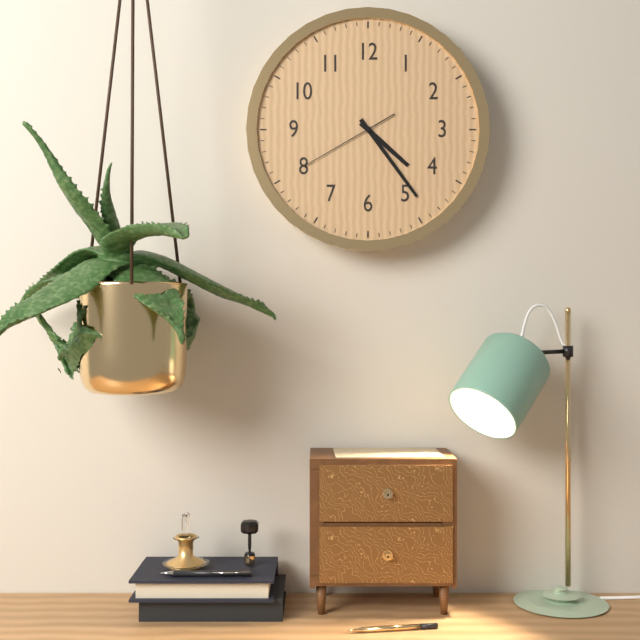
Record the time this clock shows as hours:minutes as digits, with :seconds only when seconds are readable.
4:24:40
